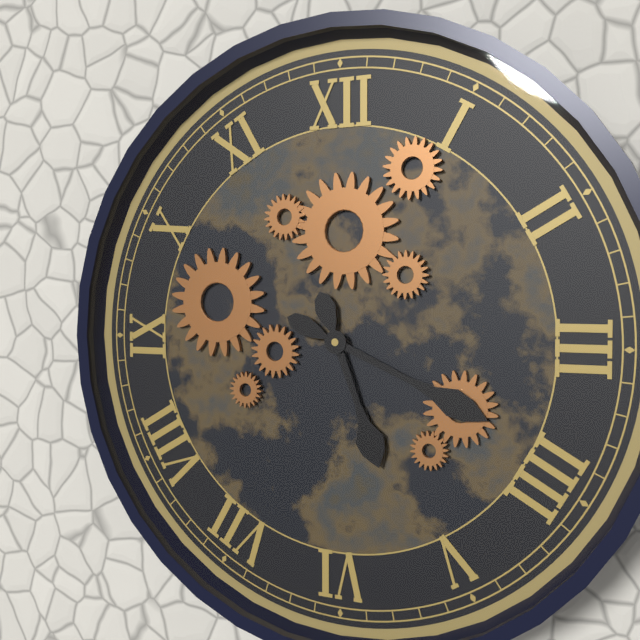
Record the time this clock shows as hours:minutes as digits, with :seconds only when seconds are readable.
5:19
